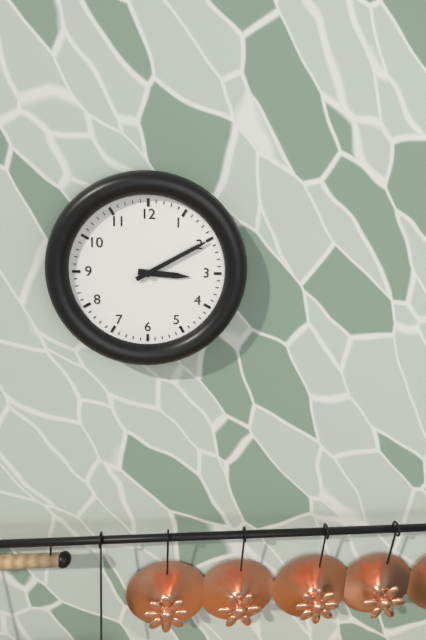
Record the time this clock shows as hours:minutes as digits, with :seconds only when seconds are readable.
3:10
